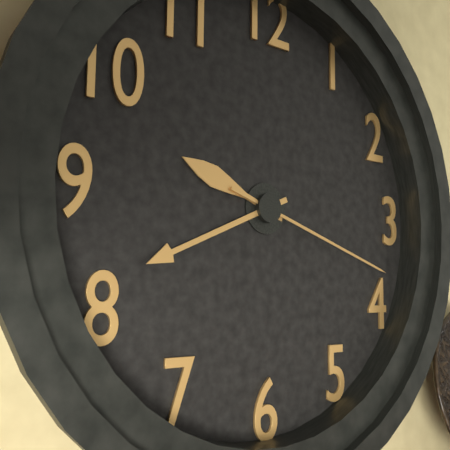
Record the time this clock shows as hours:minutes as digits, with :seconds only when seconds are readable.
9:41:18
